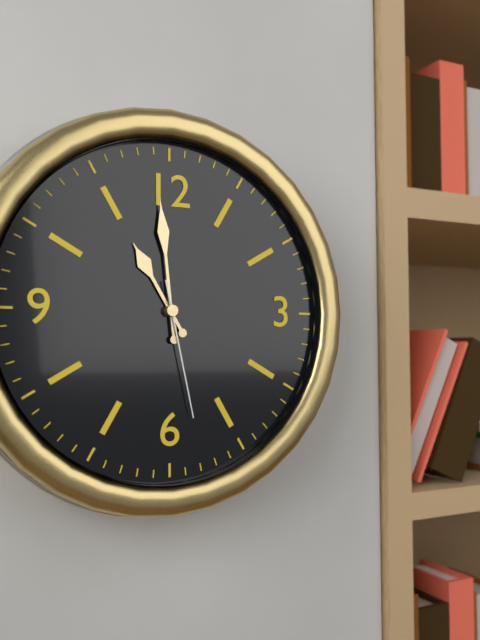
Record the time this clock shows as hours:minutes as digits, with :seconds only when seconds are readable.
10:59:28
